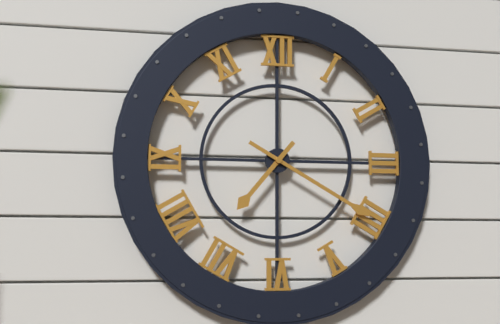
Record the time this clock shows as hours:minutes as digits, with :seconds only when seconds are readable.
7:20
